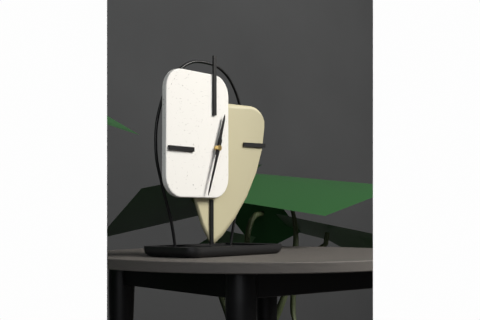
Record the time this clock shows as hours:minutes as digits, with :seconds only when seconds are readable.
12:33
